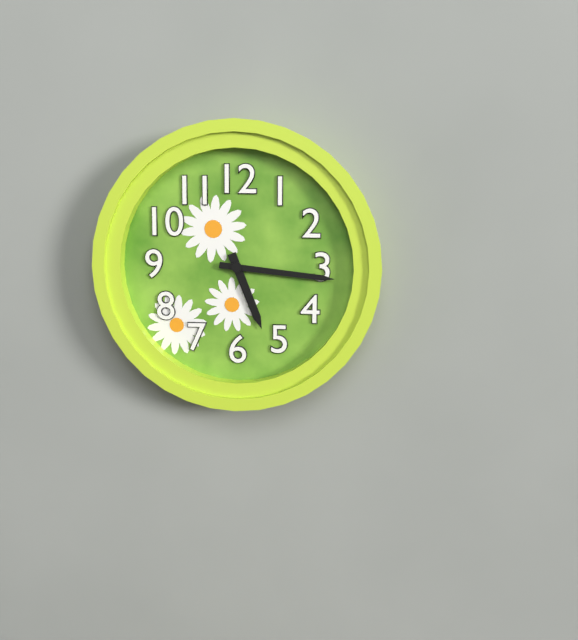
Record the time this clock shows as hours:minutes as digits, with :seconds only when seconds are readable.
5:16
